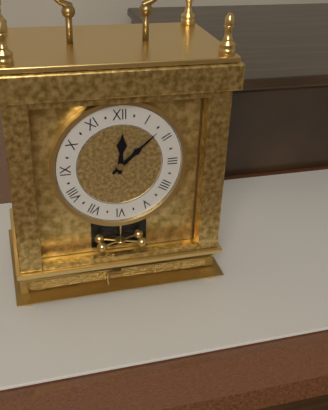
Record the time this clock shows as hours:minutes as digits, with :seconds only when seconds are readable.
12:08
